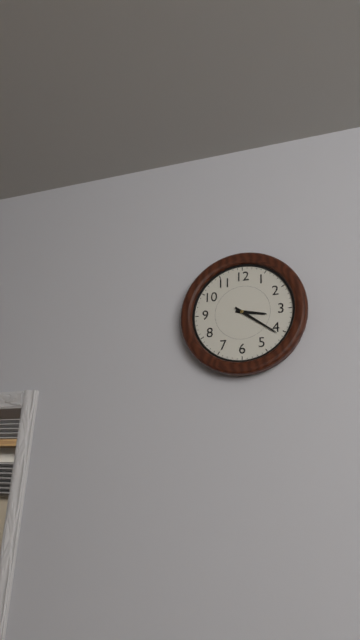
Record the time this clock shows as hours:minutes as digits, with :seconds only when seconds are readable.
3:21
